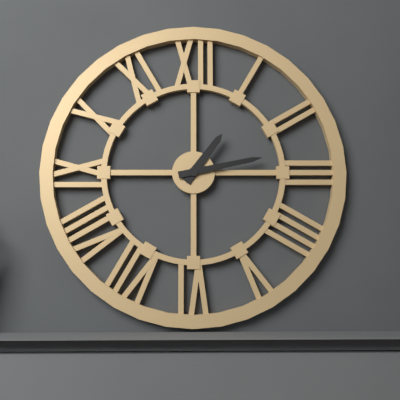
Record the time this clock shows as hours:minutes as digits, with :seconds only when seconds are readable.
1:13
